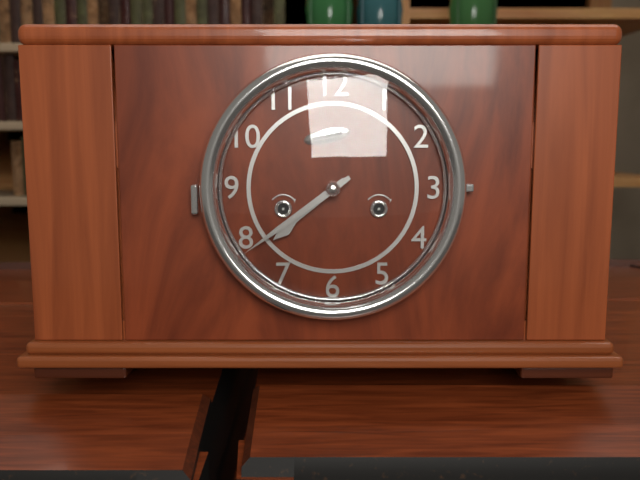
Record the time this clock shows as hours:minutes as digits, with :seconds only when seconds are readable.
7:39
